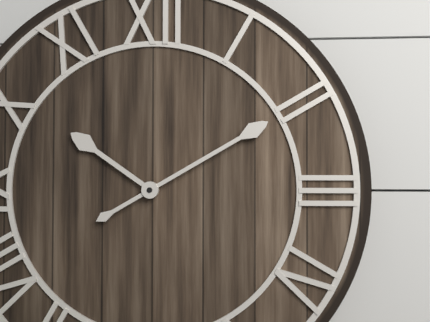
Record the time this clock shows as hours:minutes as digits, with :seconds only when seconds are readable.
10:10
